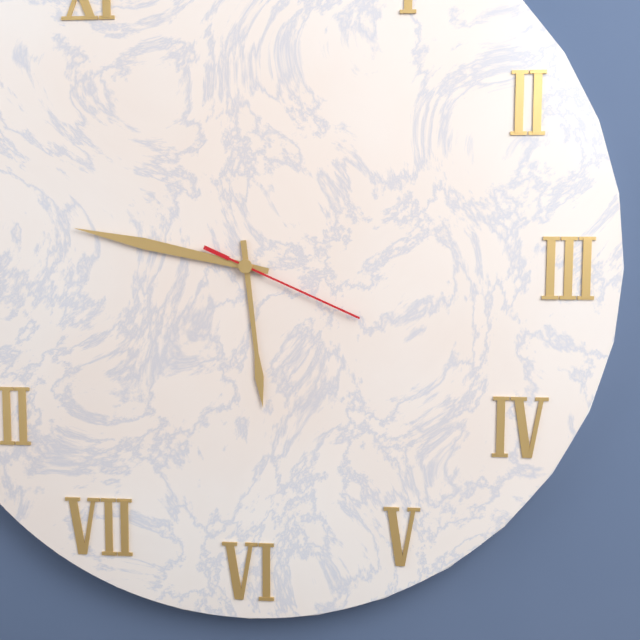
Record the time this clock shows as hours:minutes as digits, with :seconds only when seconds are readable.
5:47:19
